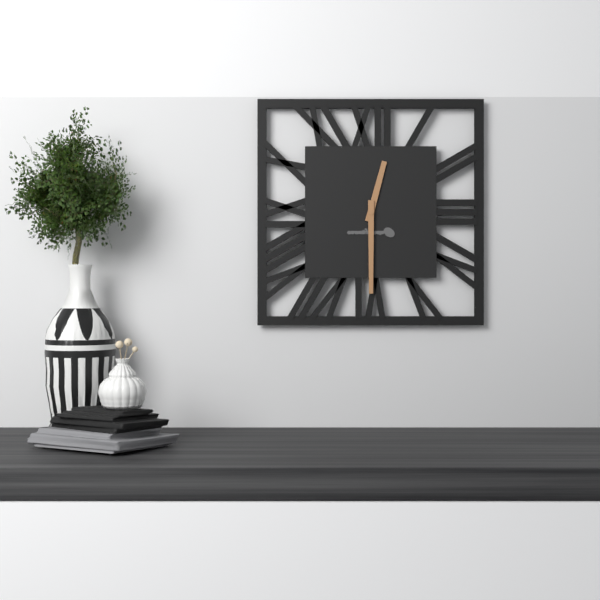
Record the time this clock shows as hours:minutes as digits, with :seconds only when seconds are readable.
12:30
